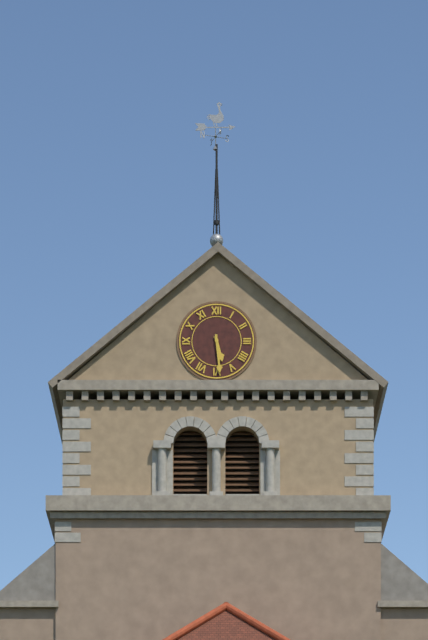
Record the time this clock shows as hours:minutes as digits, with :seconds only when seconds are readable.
5:29
